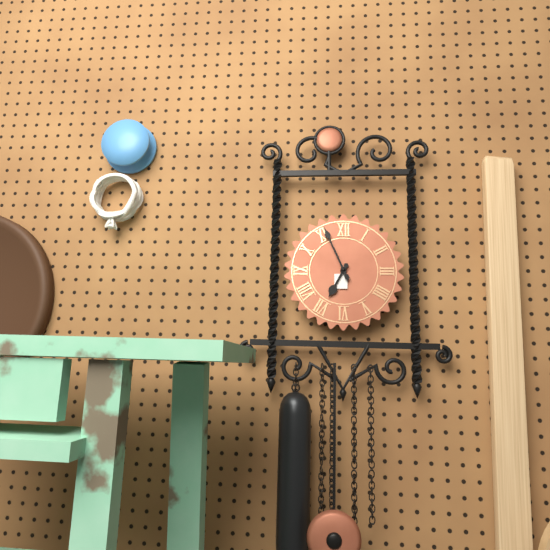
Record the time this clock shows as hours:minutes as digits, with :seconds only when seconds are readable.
6:56
